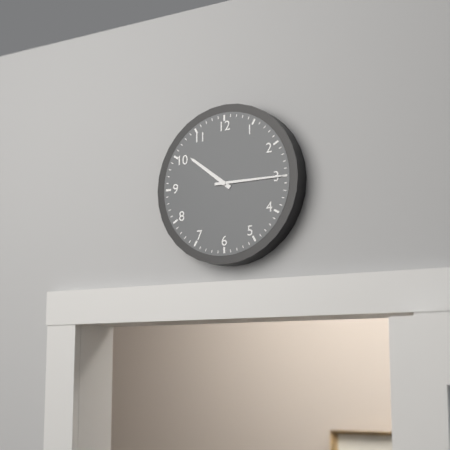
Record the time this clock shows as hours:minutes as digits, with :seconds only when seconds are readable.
10:15
